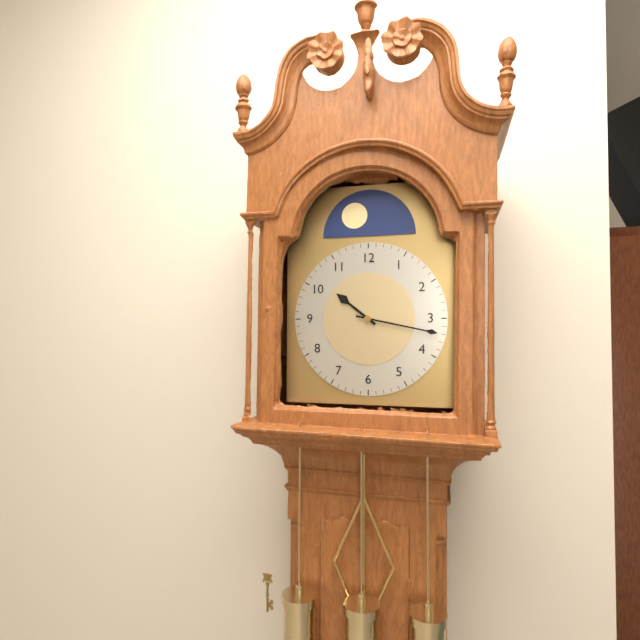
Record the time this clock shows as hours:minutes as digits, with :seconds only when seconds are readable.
10:17
